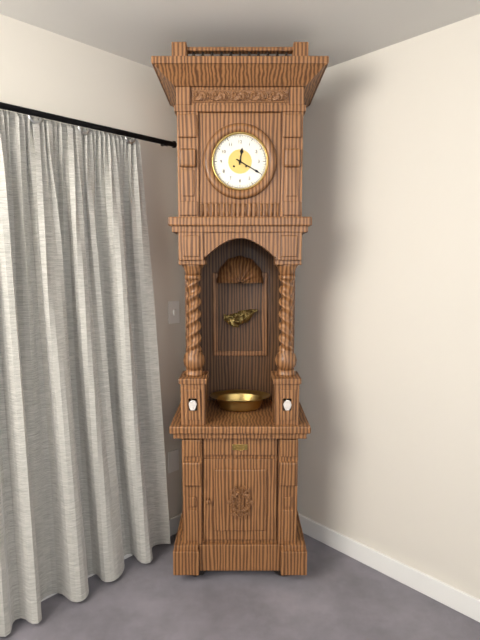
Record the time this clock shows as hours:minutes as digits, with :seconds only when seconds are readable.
12:20
